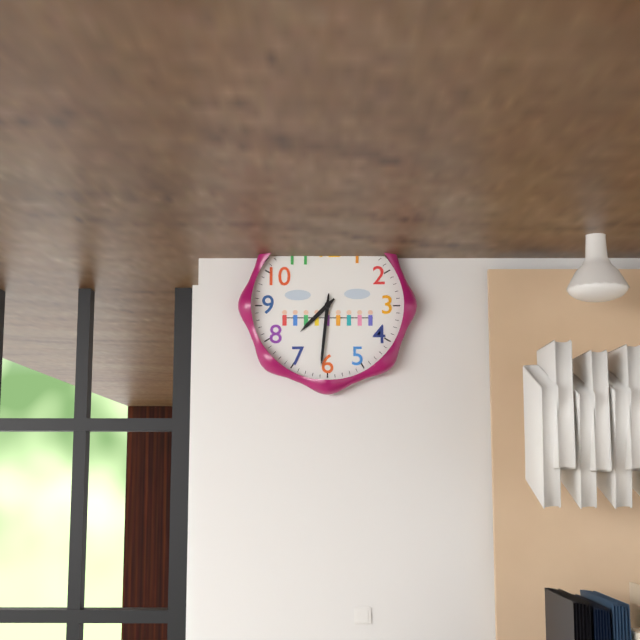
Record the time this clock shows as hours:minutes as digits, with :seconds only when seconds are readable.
7:31
